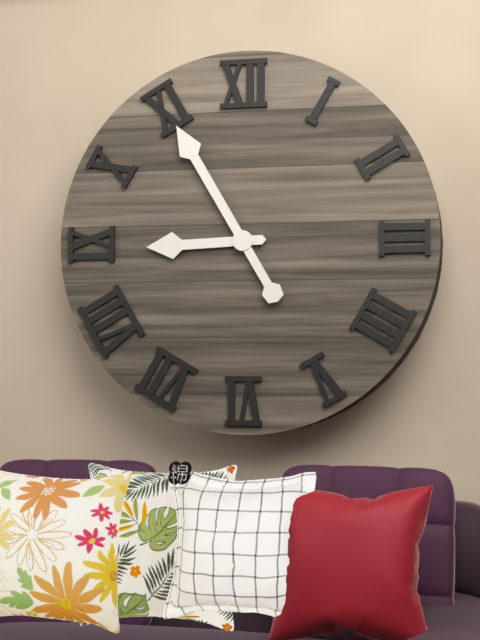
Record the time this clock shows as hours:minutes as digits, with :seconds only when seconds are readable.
8:55
